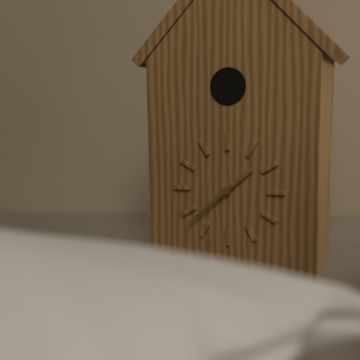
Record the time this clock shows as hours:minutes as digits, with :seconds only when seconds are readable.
1:38
